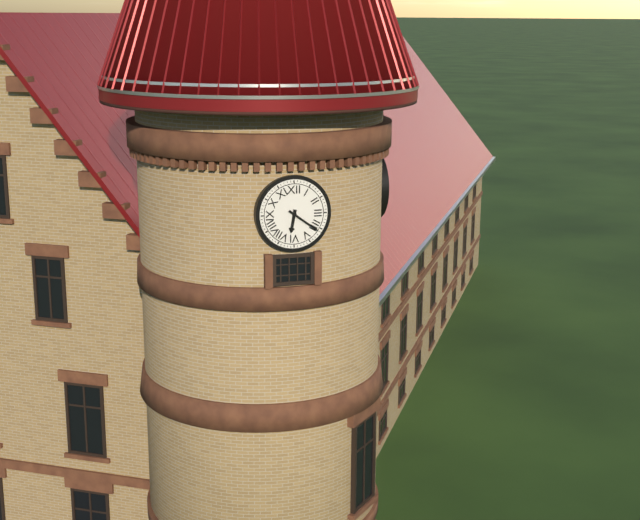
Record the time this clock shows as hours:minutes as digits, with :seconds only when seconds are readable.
6:21
